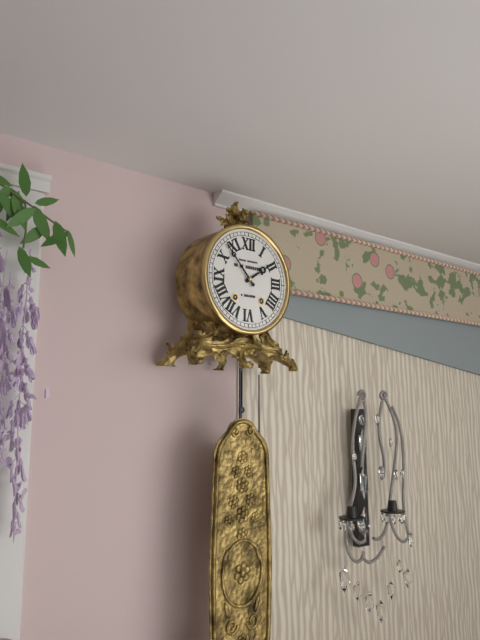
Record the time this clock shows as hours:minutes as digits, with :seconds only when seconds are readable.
1:53
